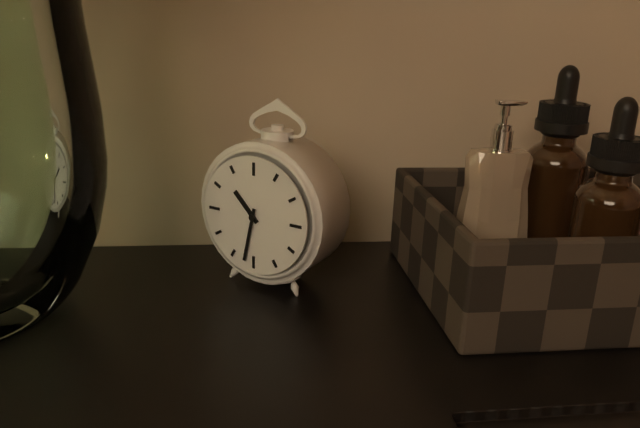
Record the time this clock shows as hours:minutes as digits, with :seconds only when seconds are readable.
10:32
